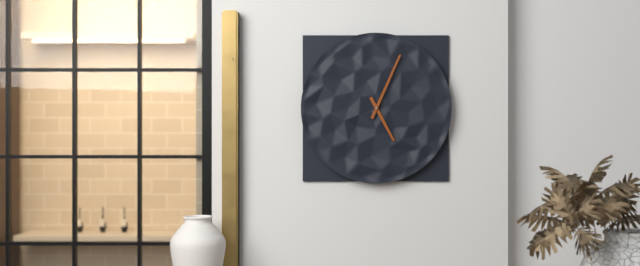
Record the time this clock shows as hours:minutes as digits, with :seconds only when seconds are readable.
5:04
